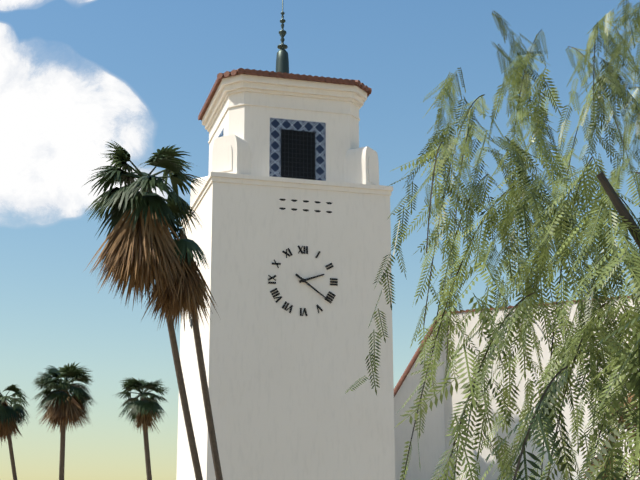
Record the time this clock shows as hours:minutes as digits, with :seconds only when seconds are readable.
2:21
